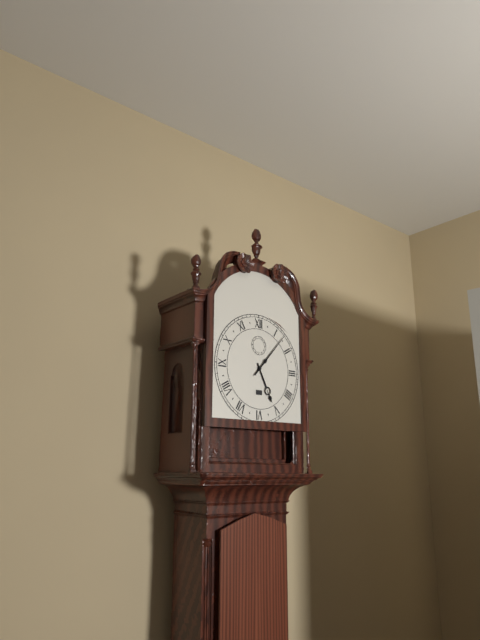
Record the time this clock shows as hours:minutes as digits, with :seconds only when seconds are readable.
5:07
